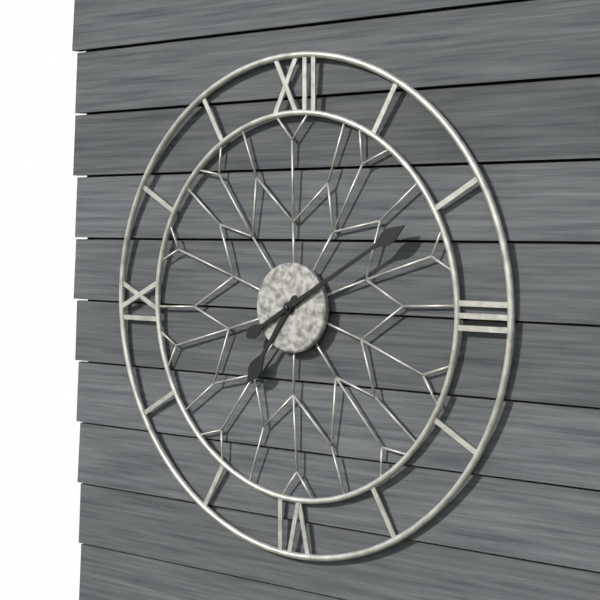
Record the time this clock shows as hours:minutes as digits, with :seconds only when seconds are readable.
7:10
